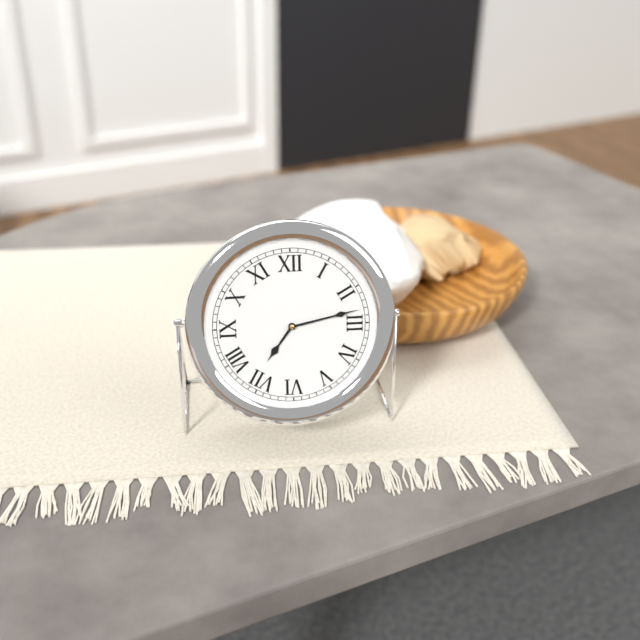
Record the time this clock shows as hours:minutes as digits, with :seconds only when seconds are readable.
7:13
